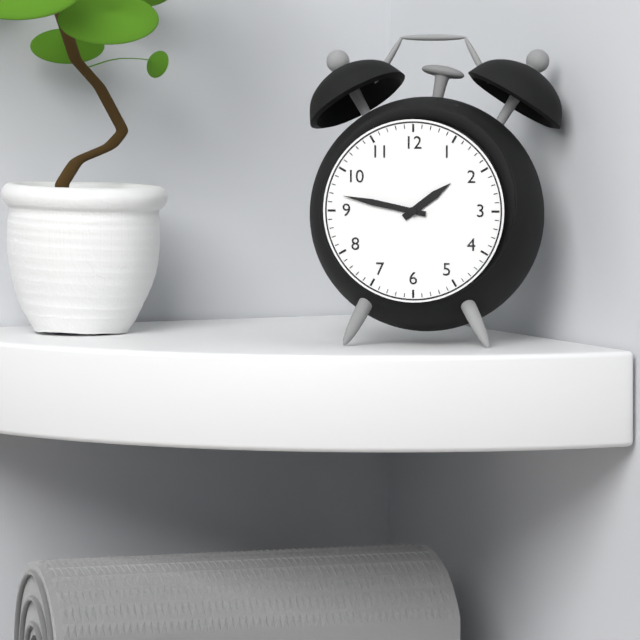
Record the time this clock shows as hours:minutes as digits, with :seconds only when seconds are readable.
1:47
